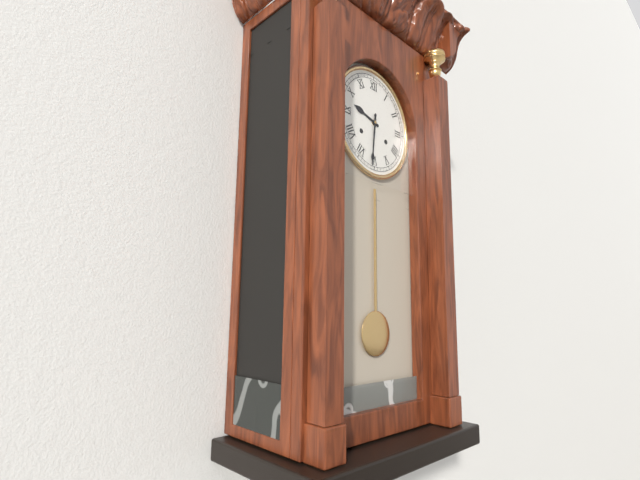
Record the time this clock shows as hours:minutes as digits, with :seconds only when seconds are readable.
9:31
